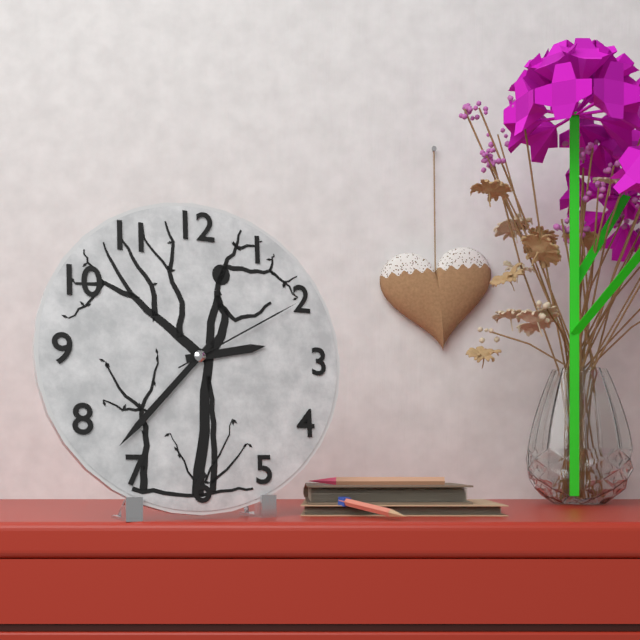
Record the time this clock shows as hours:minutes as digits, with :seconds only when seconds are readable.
2:37:10
